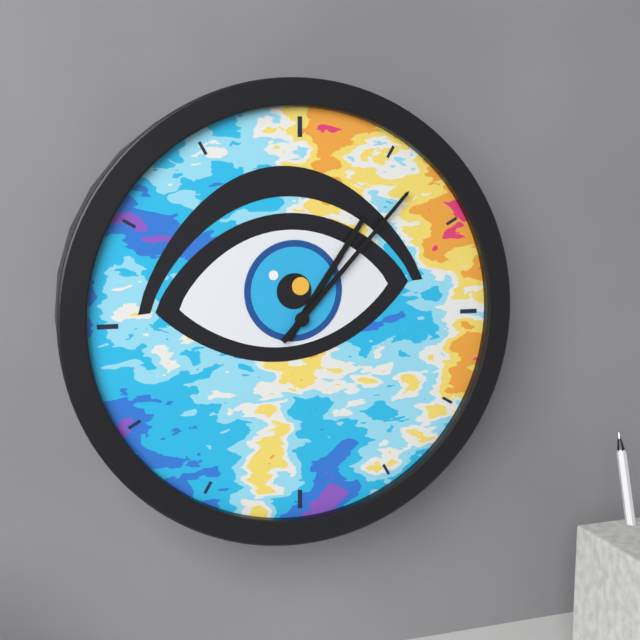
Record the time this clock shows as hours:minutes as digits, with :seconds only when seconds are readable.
1:07
